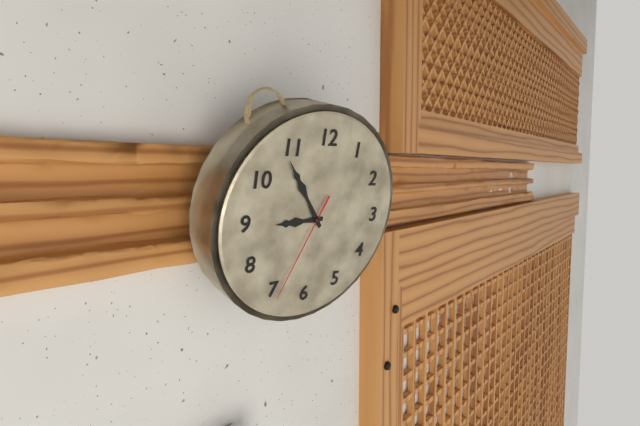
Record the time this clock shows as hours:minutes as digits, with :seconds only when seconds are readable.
8:54:34
